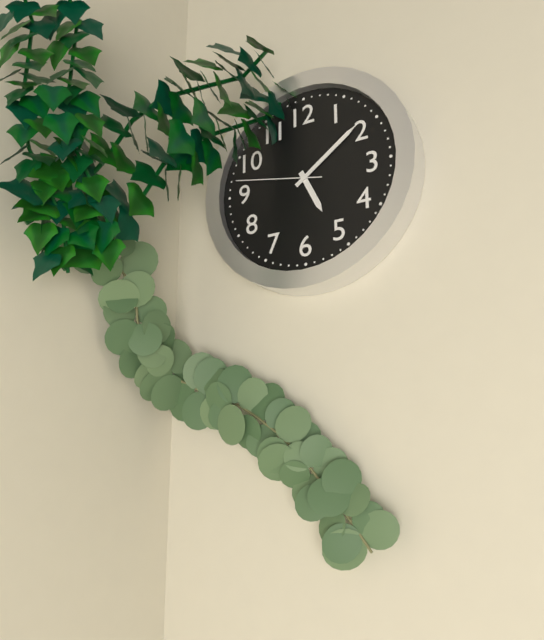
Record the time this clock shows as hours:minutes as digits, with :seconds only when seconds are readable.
5:09:47
